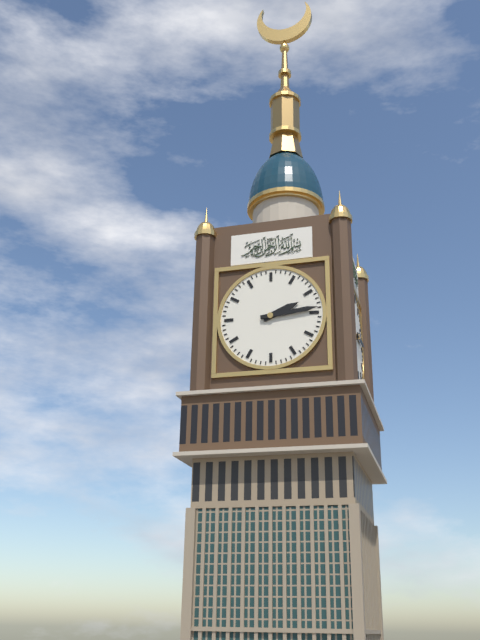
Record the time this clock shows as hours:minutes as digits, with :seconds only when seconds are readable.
2:14
